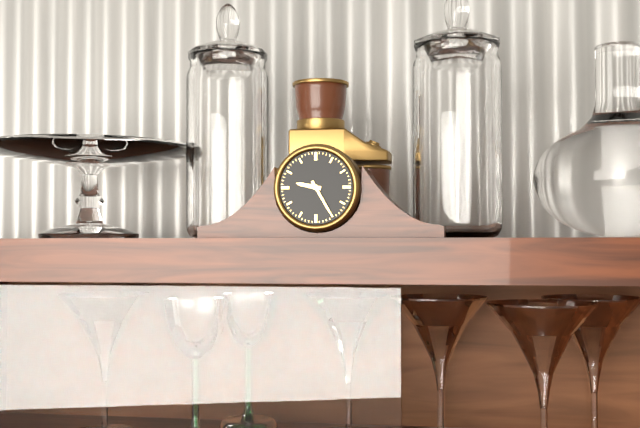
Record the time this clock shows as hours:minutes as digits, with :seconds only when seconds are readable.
9:25
